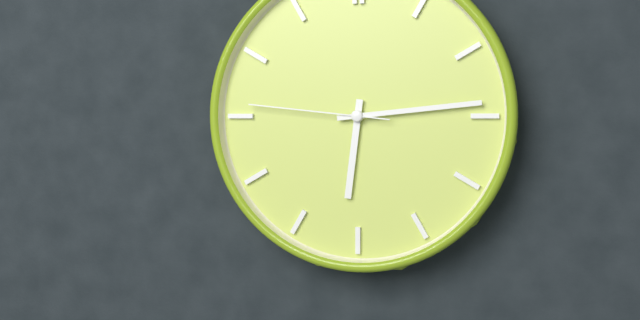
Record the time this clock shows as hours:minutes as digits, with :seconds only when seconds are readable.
6:14:46
